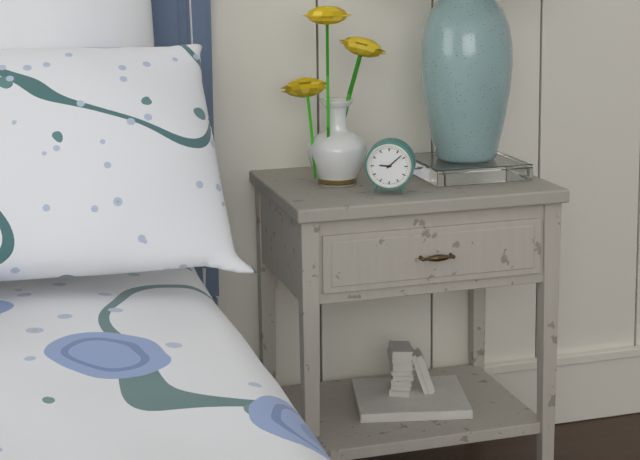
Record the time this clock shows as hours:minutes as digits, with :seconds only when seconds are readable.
9:08
